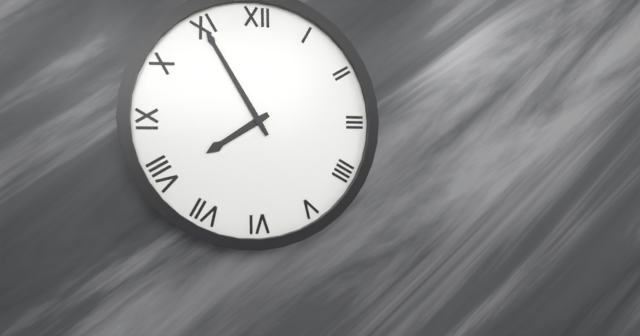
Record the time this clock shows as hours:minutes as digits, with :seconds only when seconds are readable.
7:55
